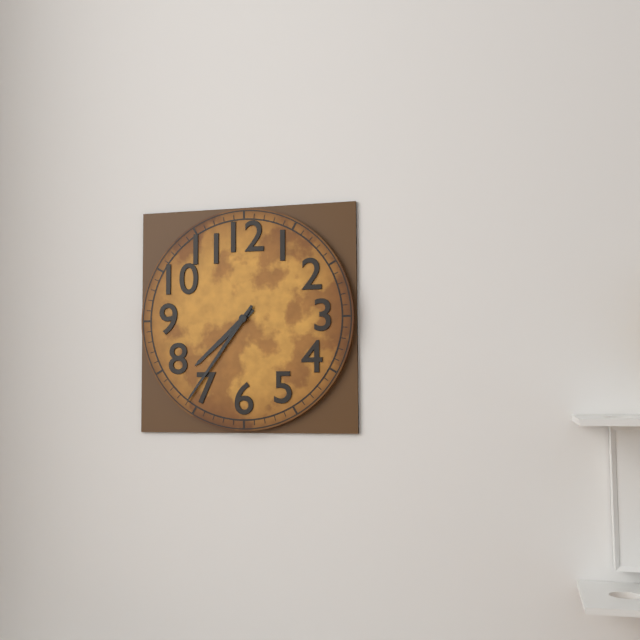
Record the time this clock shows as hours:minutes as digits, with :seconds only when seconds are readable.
7:36
